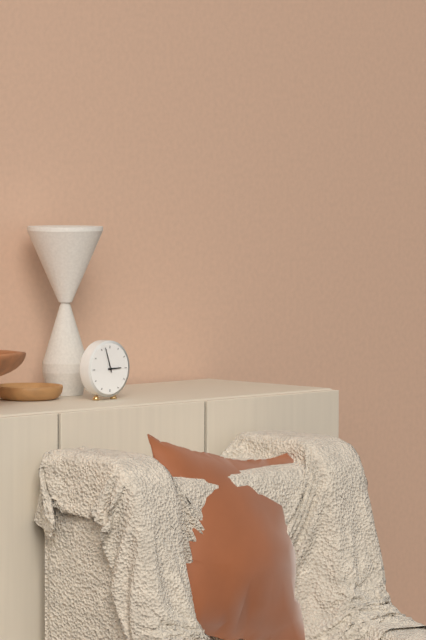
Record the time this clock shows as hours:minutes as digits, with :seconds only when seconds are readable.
2:57
